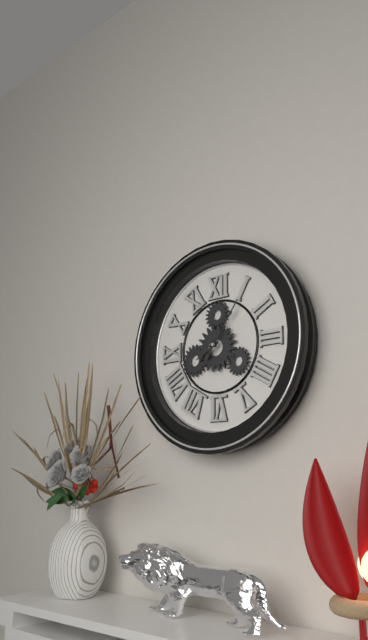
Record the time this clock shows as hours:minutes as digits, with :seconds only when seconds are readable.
8:06
